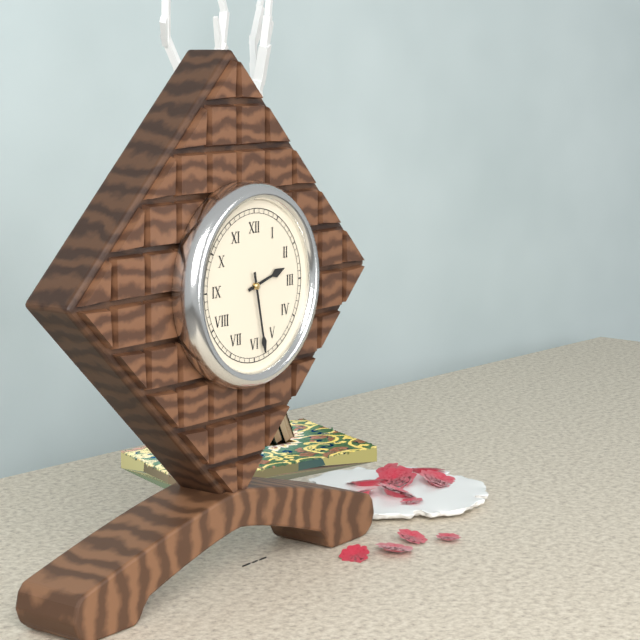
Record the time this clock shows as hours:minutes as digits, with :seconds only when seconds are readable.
2:28
